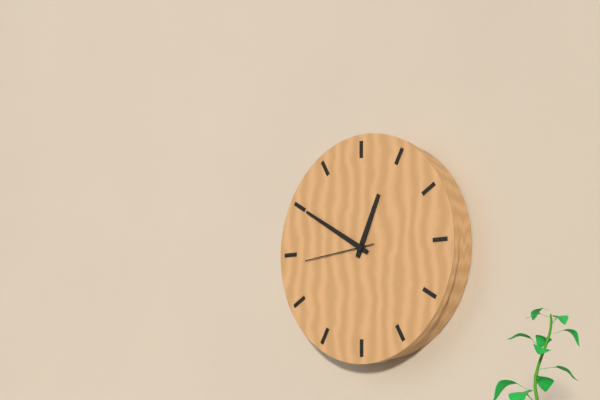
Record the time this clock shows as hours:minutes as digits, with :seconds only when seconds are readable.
12:50:44
